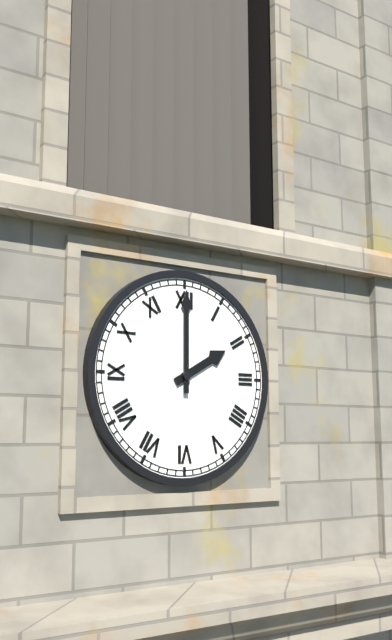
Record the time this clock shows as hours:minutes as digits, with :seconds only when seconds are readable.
2:00
